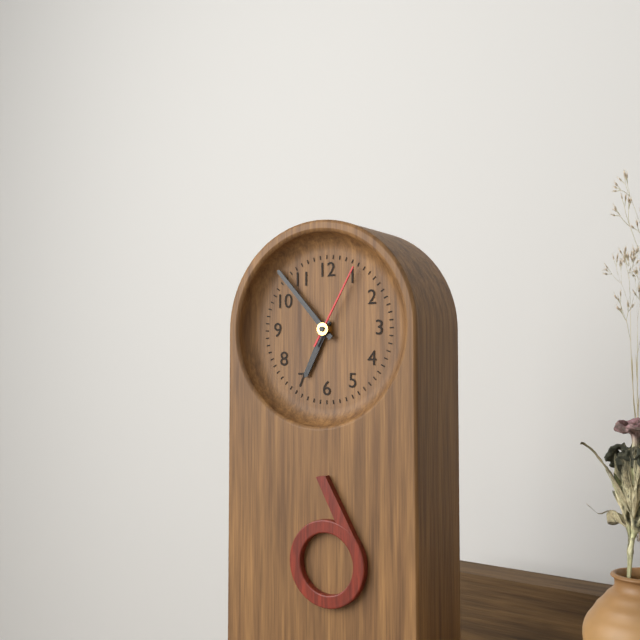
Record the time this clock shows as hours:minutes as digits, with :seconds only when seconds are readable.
6:53:05
